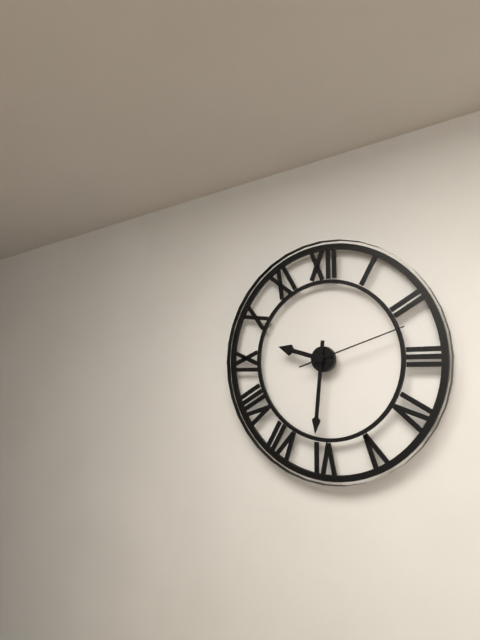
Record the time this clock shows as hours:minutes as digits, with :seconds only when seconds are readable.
9:31:12
